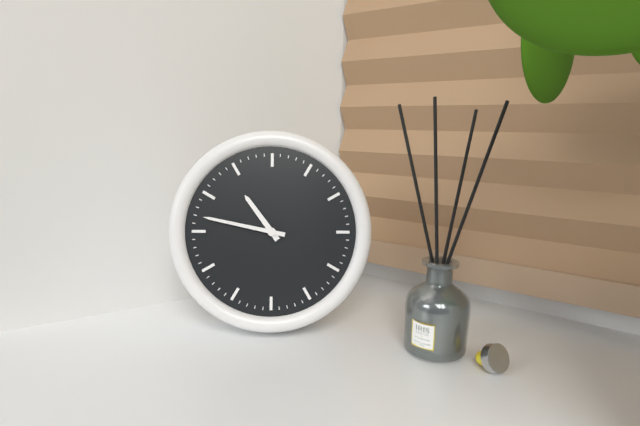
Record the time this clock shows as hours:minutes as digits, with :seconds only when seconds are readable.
10:47
